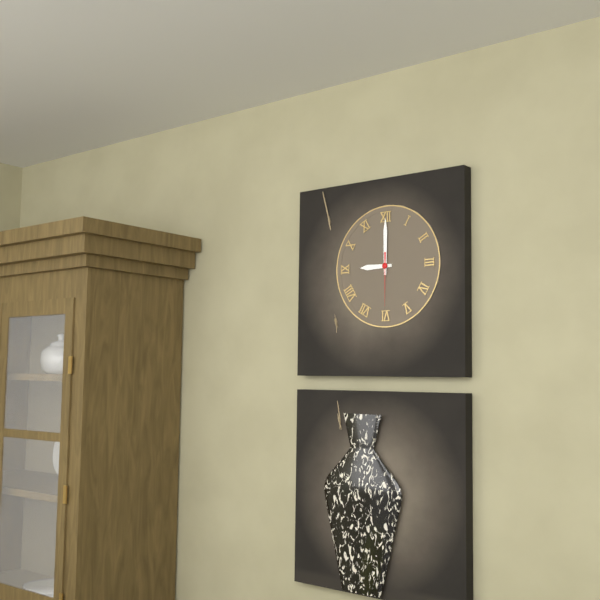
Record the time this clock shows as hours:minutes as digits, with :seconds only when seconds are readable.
9:00:30
